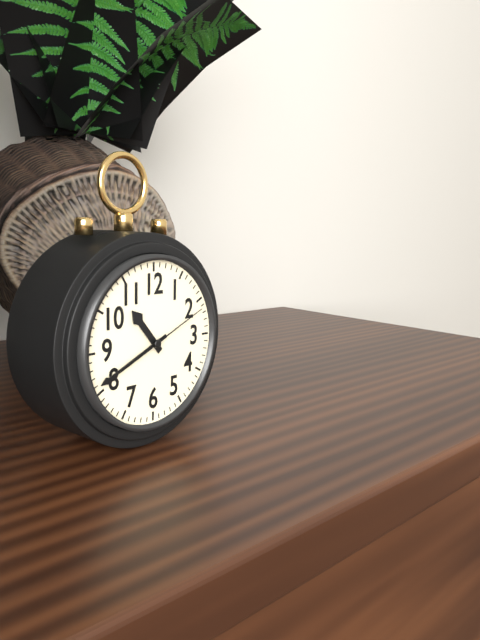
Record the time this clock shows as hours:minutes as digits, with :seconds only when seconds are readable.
10:41:11
